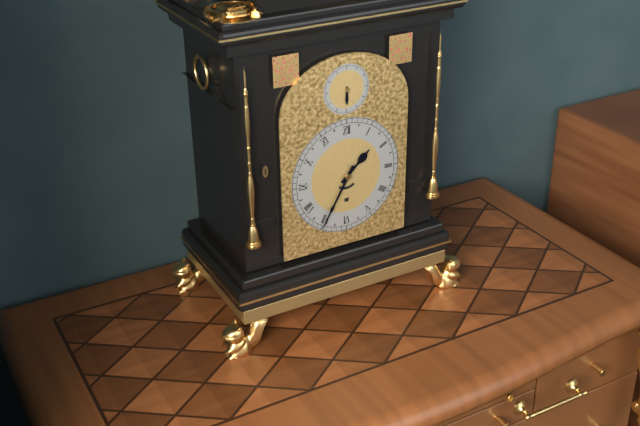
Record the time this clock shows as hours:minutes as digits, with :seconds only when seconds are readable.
1:35
